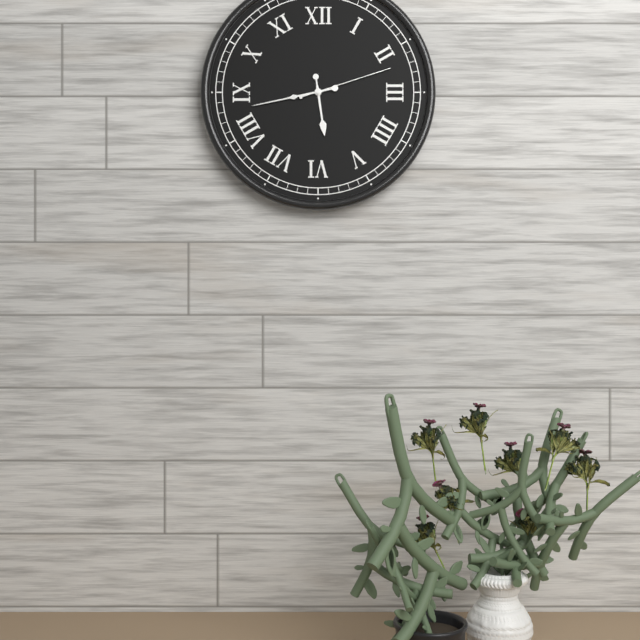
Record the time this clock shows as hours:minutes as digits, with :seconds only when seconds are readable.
5:43:12
